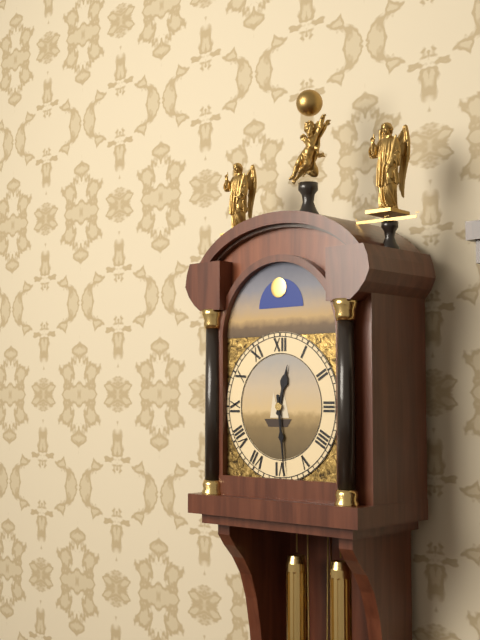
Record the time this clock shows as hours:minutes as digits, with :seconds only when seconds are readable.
12:29
